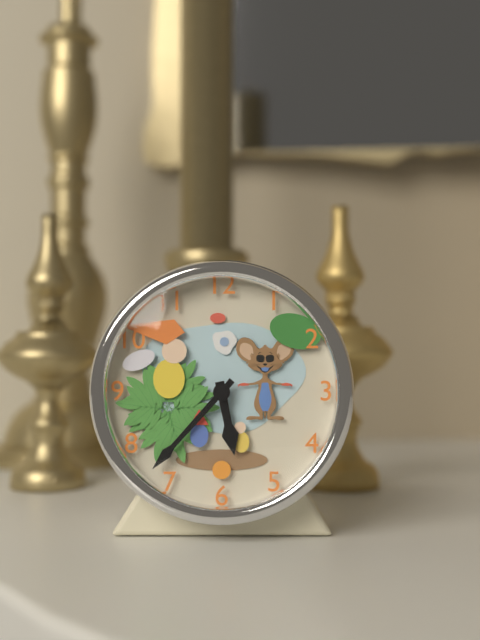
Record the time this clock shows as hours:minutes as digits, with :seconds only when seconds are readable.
5:37
